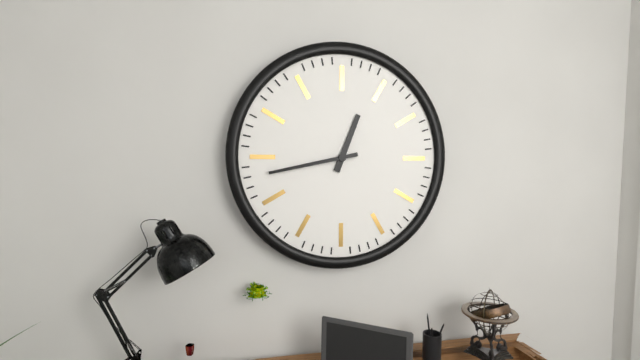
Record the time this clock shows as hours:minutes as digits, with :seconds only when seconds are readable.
12:43
